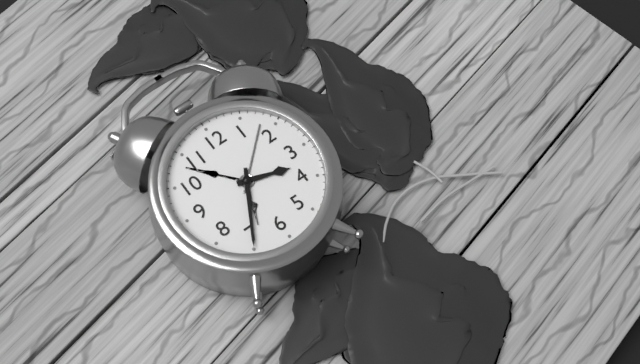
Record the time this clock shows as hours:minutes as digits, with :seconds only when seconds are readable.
3:35
